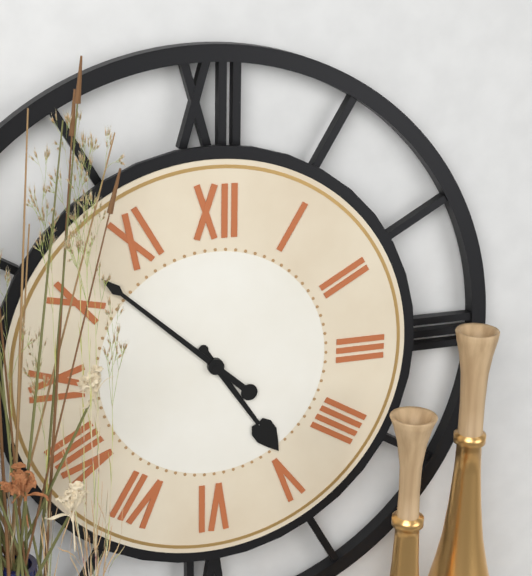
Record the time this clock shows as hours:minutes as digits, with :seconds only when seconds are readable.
4:52
